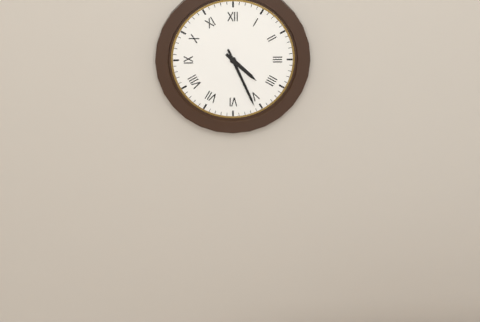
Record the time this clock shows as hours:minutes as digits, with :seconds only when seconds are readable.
4:26
